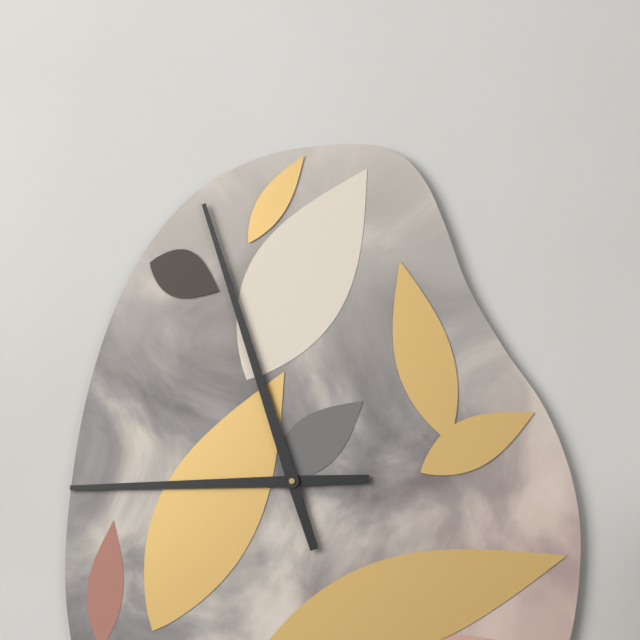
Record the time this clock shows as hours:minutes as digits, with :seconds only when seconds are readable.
8:57
